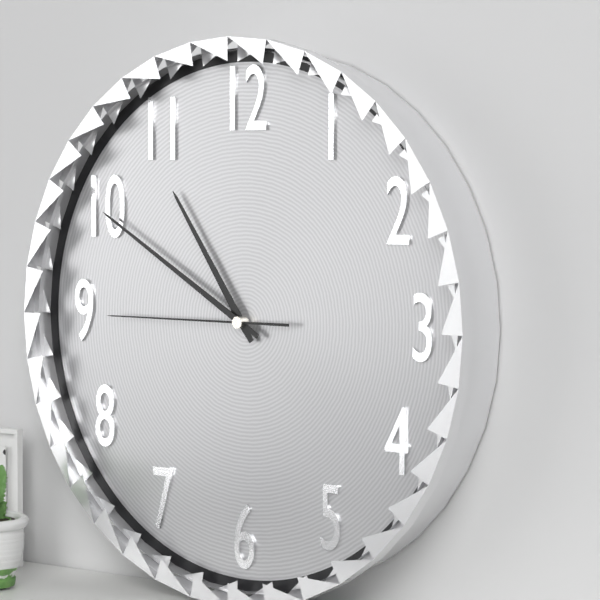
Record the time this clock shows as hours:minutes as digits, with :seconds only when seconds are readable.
10:50:45
